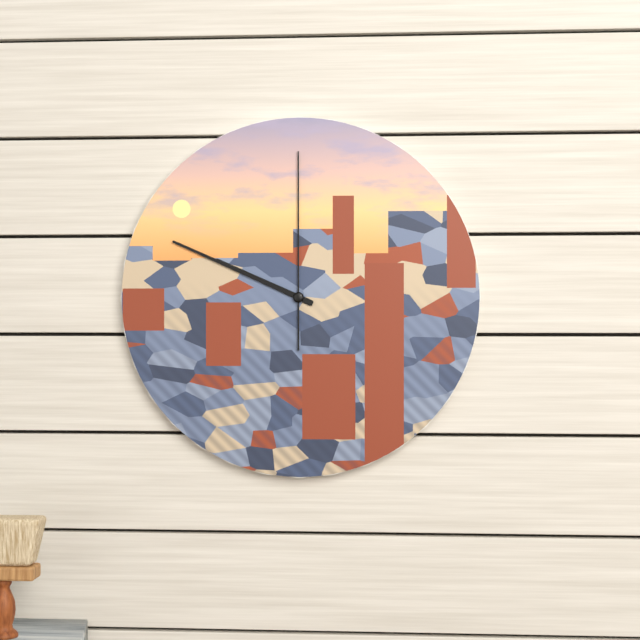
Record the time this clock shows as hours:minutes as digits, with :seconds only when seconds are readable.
9:49:00
